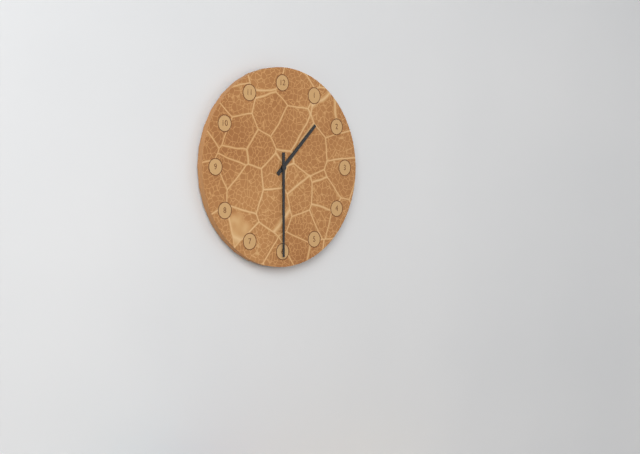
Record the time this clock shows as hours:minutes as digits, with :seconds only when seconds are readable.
1:30
